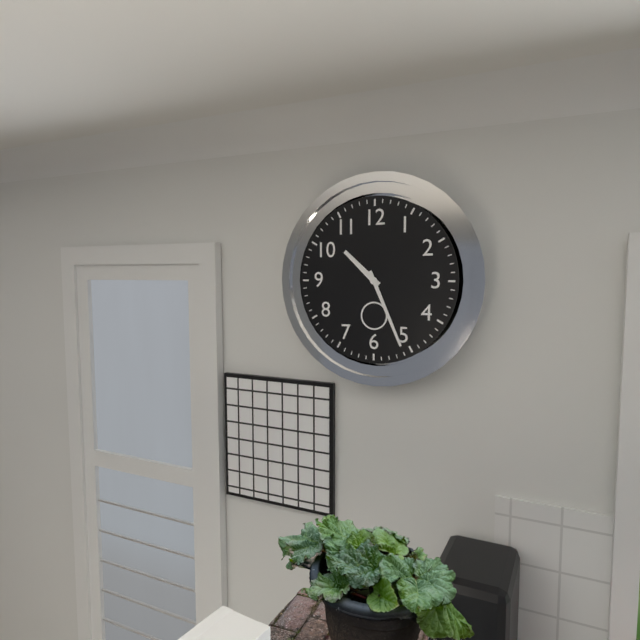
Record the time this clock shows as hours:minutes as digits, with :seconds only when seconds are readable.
10:26
